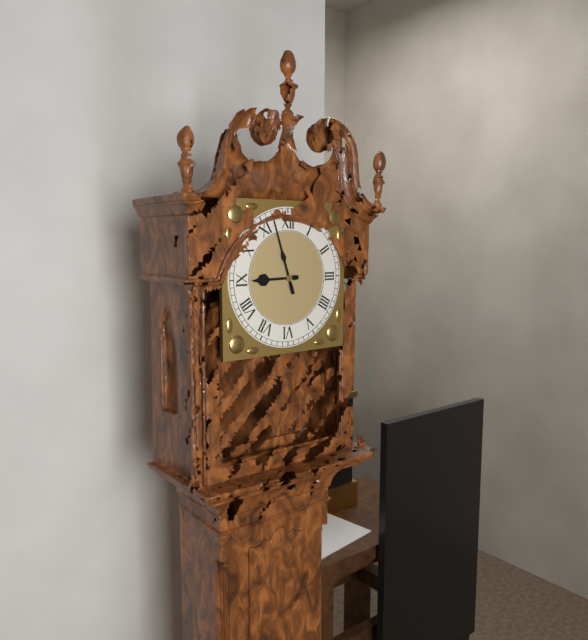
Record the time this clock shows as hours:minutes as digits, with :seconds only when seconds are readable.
8:57
